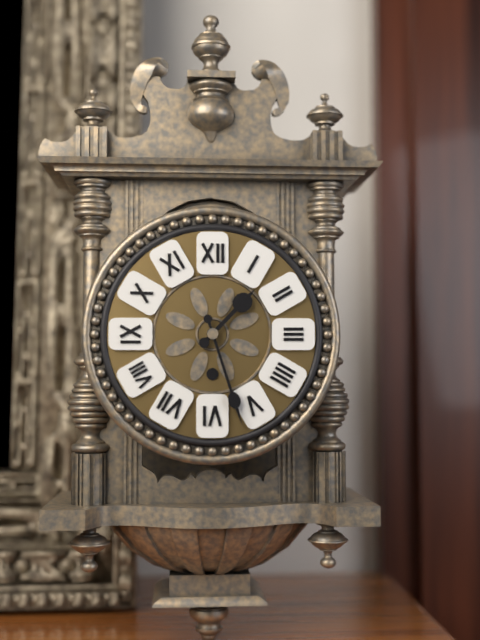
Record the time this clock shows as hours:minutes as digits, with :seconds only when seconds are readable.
1:27
